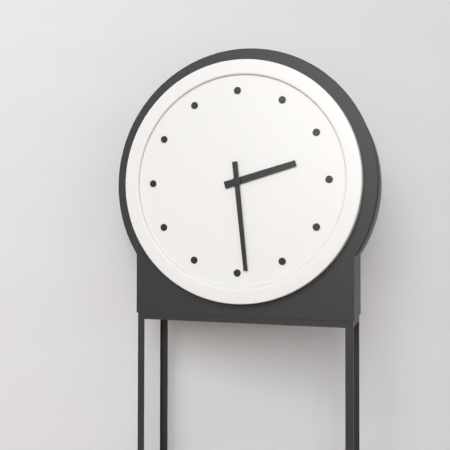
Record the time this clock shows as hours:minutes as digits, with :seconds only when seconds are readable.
2:29
